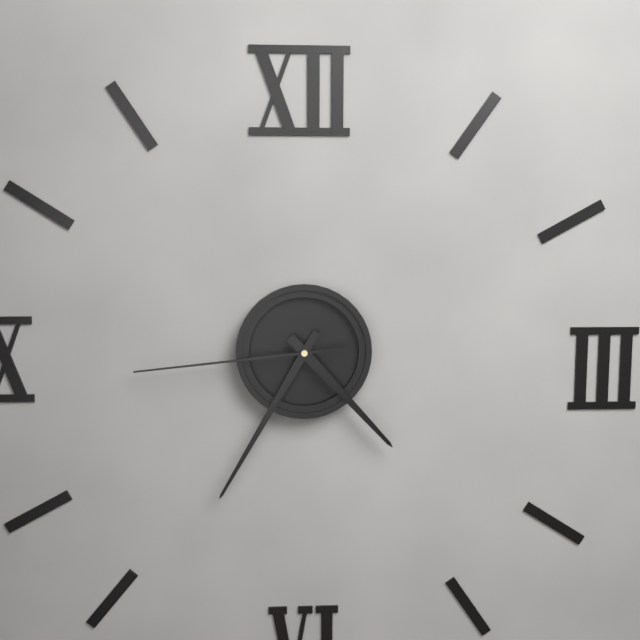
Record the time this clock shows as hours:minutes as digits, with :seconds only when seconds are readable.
4:35:44
